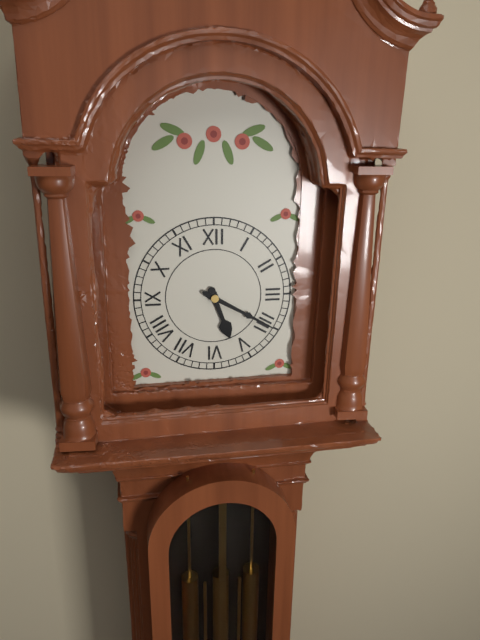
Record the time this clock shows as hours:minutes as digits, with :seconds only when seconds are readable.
5:20
